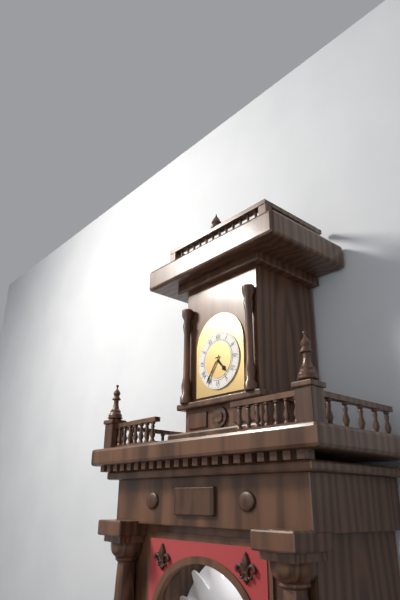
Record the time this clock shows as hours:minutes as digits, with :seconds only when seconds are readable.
4:36
